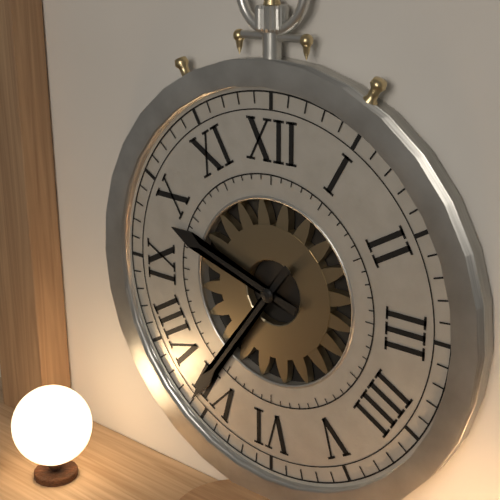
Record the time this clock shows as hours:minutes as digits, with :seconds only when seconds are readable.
9:36
